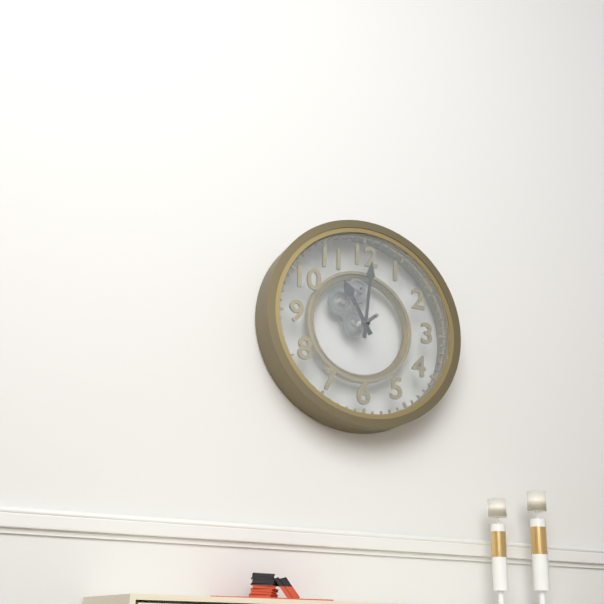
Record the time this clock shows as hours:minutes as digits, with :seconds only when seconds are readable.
11:01
